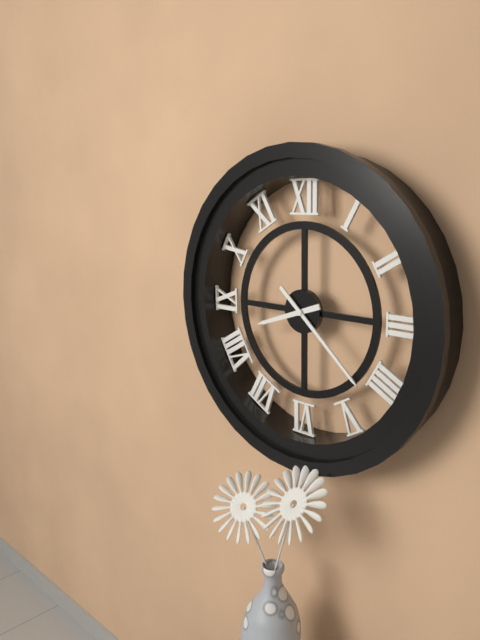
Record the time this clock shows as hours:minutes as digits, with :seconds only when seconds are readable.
8:22
